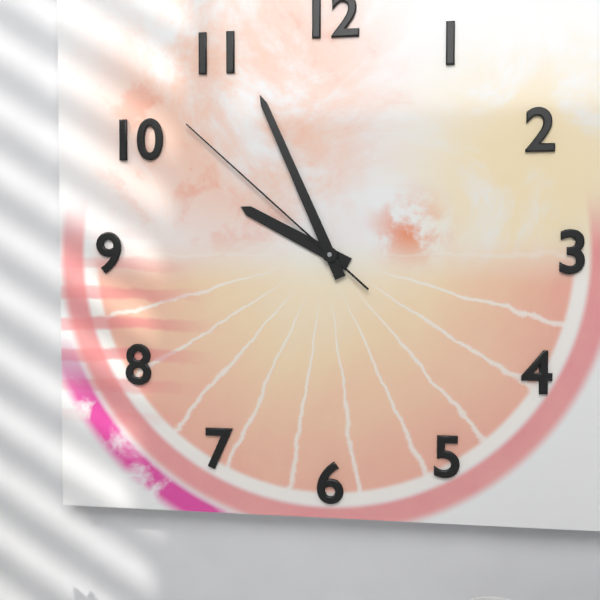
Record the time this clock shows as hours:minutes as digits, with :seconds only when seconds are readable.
9:56:52
